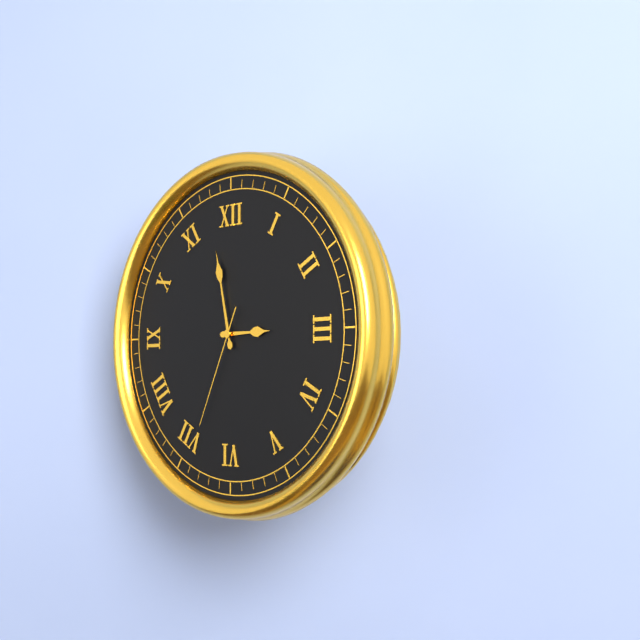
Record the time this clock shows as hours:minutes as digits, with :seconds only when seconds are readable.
2:58:34
